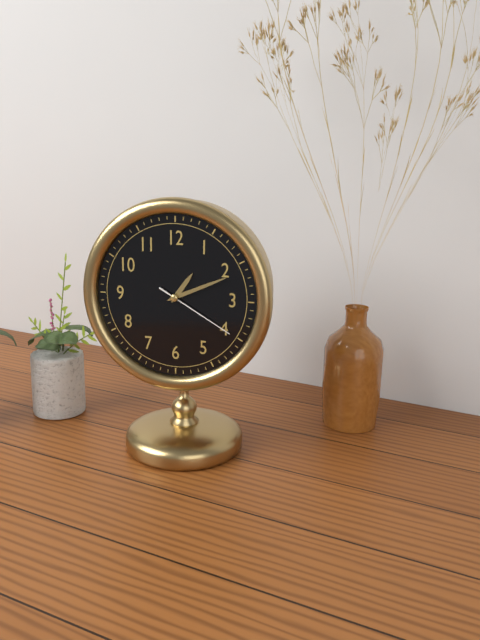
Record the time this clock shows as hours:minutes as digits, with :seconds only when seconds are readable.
1:11:20
